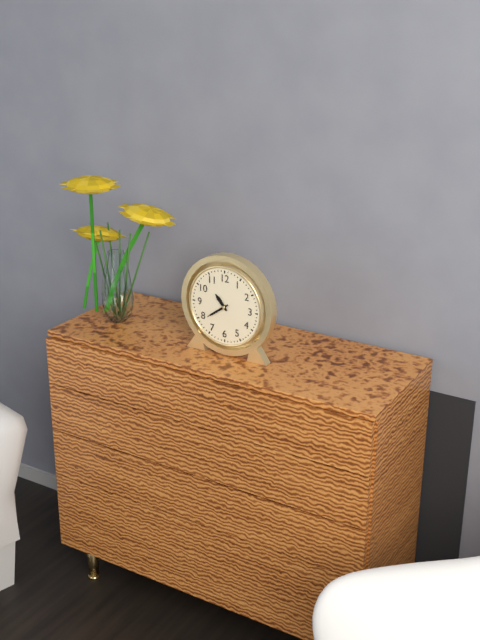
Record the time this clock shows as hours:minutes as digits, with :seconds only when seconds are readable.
10:39
